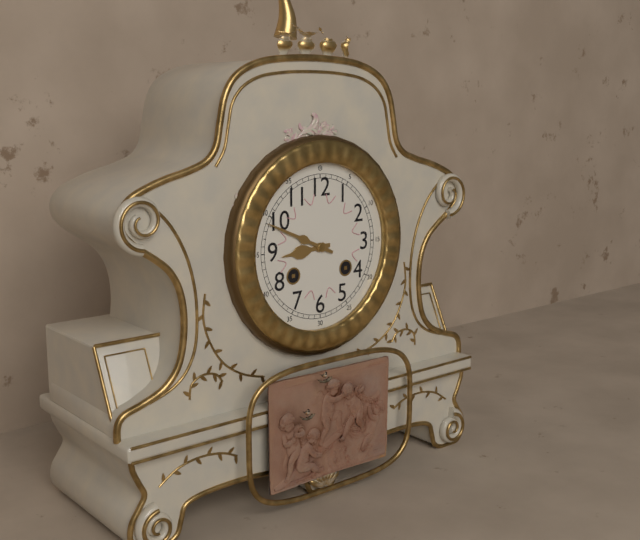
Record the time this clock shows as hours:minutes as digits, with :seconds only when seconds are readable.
8:49
